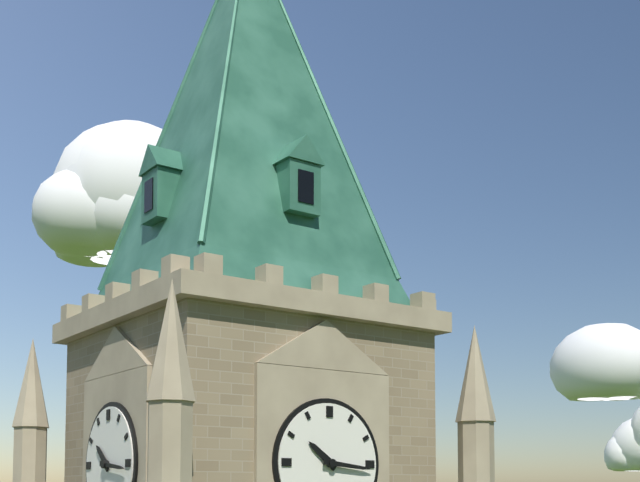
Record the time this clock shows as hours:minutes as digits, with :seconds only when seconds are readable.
10:16
